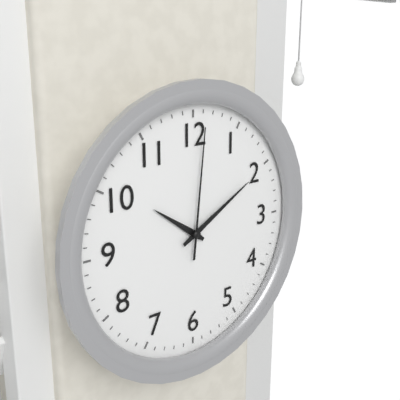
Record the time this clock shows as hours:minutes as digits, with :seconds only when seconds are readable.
10:10:01
